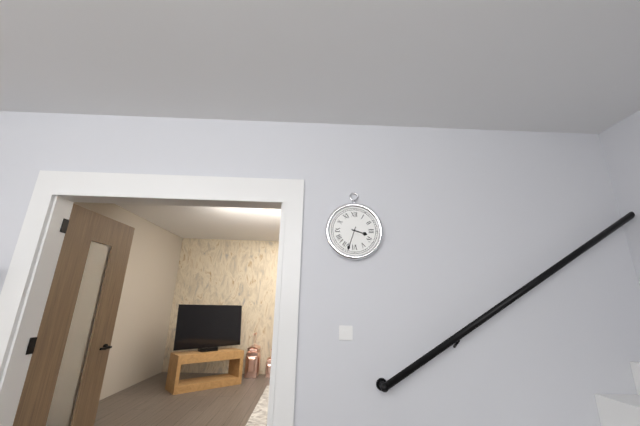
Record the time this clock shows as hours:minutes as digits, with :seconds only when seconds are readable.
3:33
